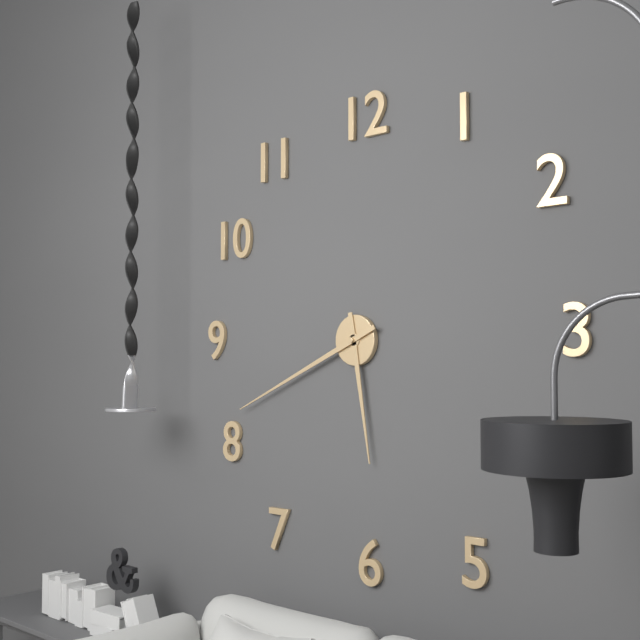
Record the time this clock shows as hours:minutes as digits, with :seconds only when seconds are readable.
5:41
